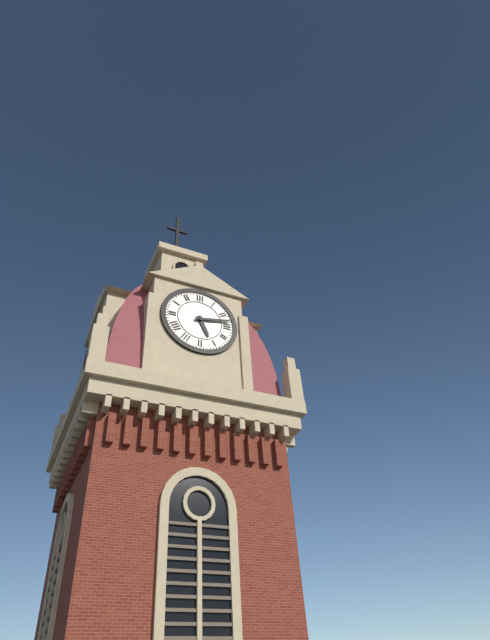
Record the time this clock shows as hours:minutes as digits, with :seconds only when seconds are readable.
5:13
